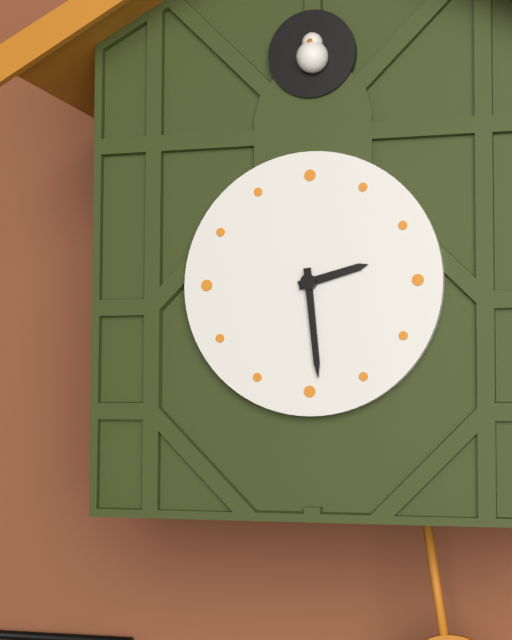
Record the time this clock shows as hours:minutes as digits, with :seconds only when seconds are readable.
2:29
